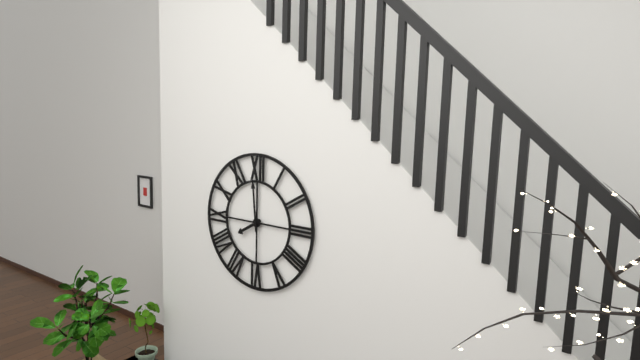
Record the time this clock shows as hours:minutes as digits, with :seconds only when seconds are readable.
7:59
